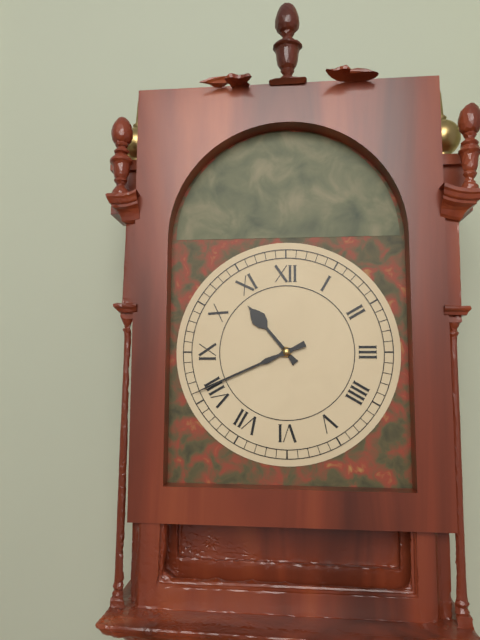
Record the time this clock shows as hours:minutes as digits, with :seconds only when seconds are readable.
10:41
